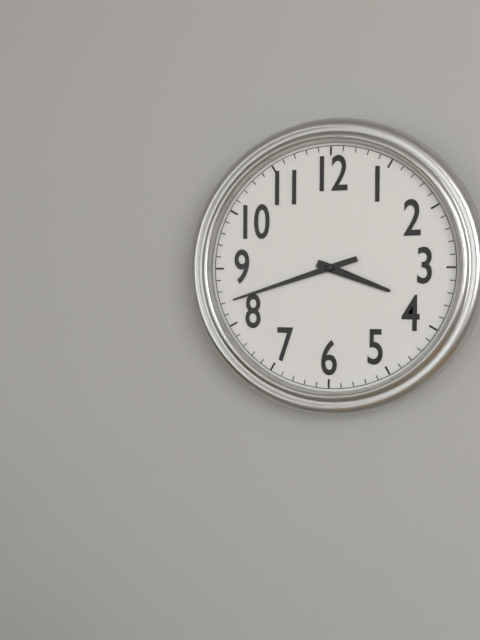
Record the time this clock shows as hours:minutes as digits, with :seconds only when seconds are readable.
3:42
